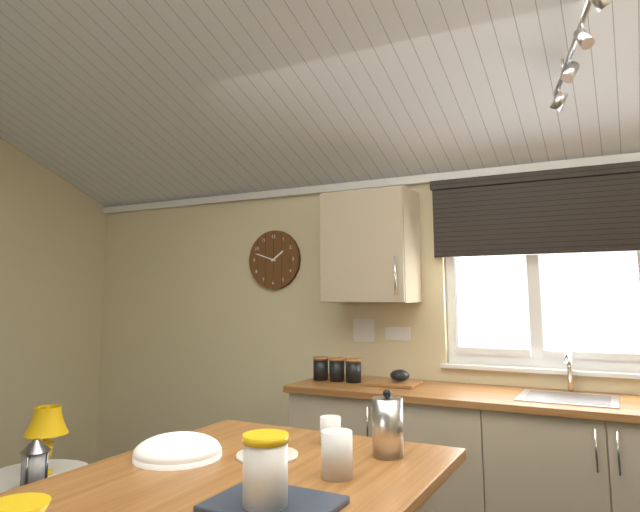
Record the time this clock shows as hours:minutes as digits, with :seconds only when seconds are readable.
1:48
